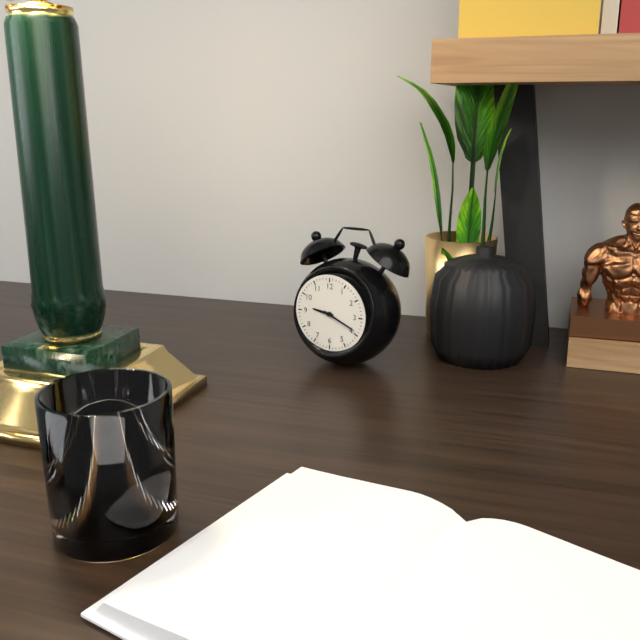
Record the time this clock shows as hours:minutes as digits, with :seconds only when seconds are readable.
9:19
